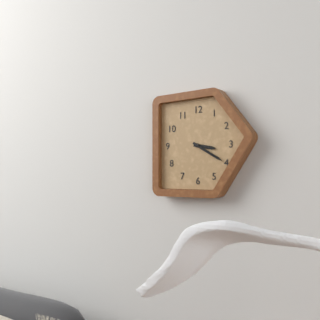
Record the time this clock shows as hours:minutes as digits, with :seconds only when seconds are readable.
3:20
